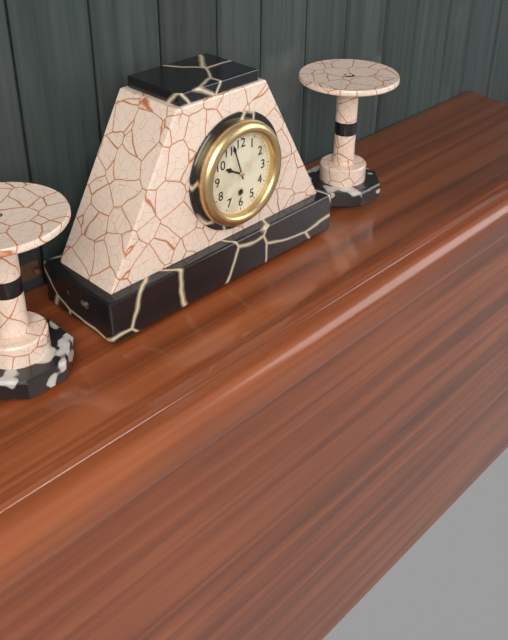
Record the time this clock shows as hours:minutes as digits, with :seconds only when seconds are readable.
9:57
